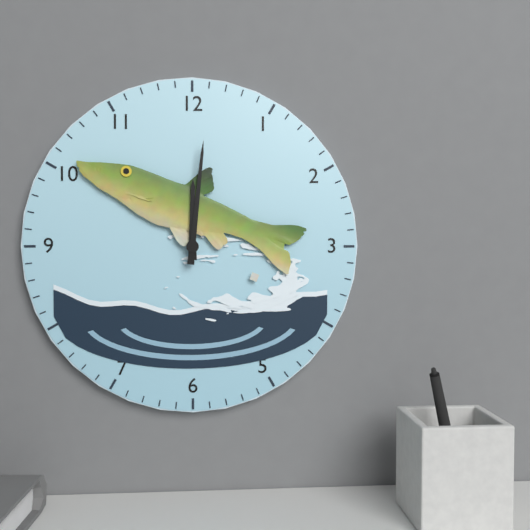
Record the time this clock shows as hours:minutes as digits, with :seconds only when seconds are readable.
12:01
